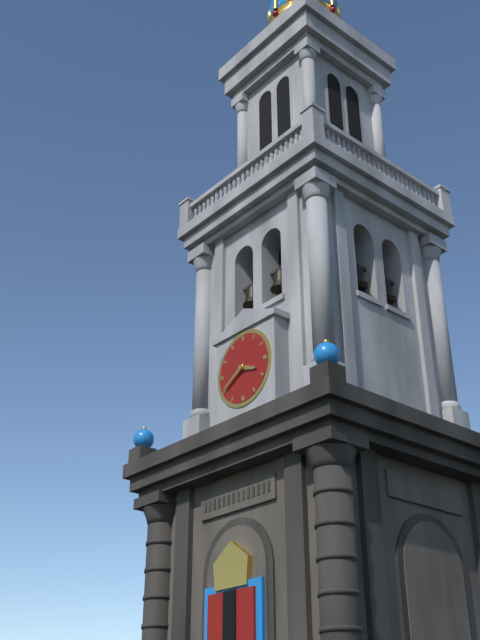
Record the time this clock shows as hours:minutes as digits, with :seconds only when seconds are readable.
3:40
